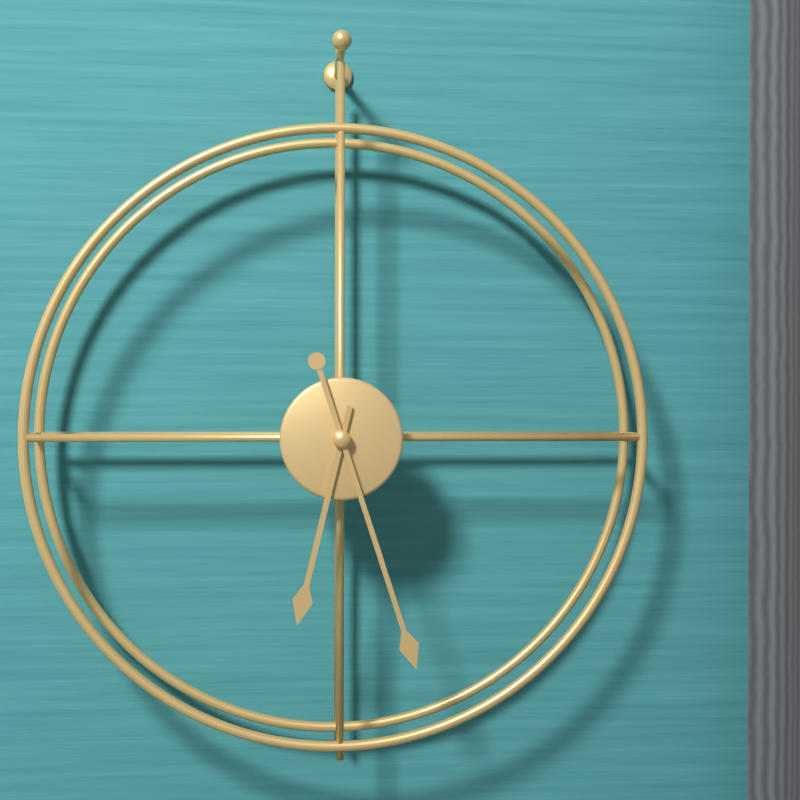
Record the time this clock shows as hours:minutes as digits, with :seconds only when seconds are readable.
6:27
